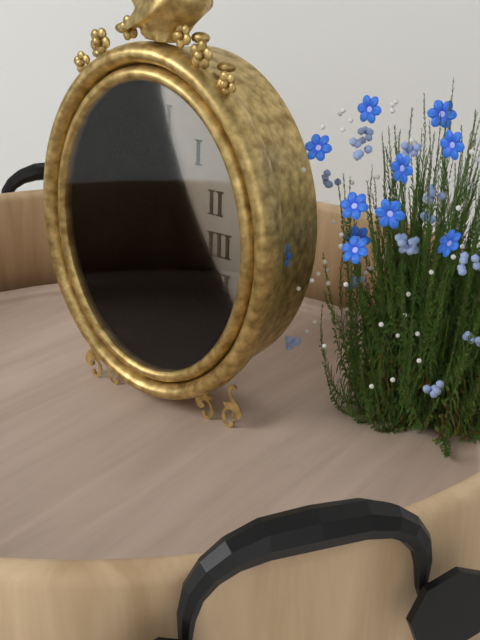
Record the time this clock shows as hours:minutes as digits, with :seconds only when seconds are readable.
4:56:20
